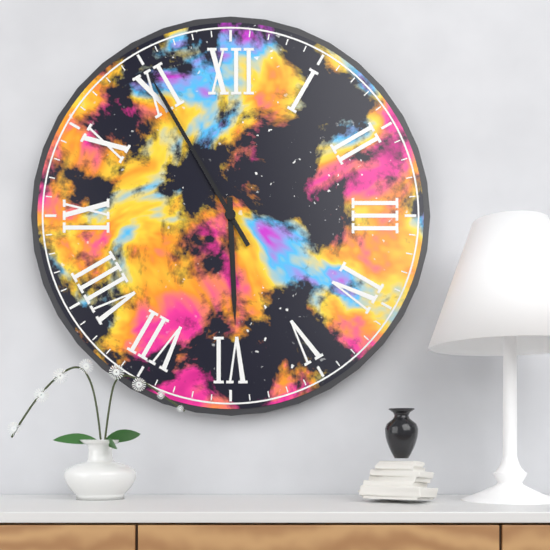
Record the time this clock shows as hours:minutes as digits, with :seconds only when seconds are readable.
5:55
